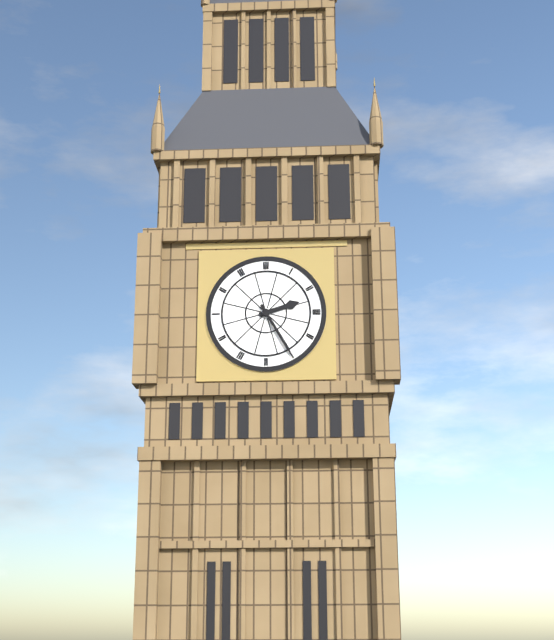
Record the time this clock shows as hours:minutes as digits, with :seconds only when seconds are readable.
2:25
